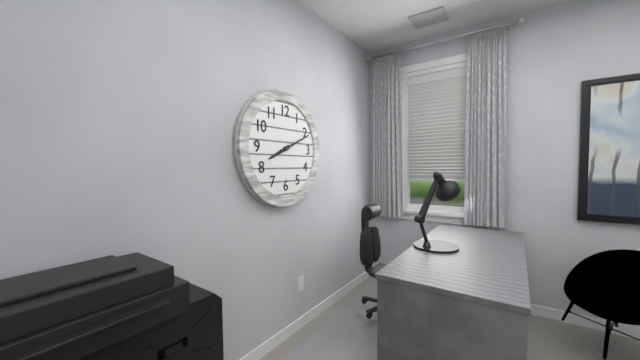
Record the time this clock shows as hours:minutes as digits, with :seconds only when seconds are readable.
8:11
